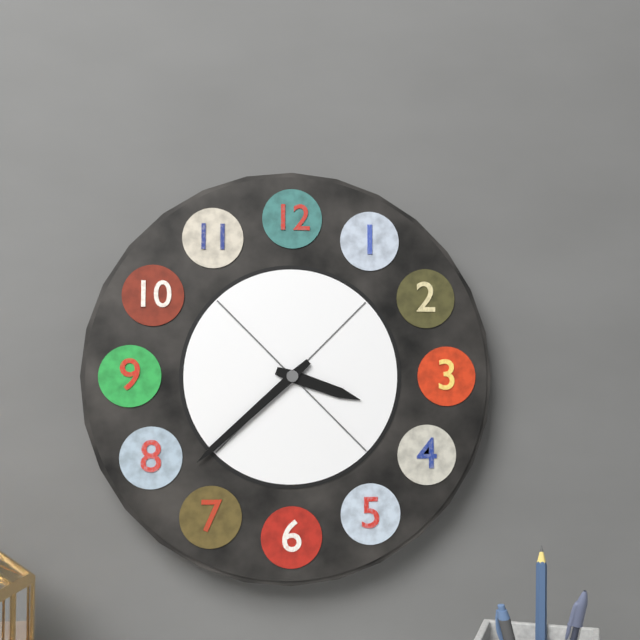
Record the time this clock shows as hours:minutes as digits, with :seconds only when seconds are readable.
3:38
